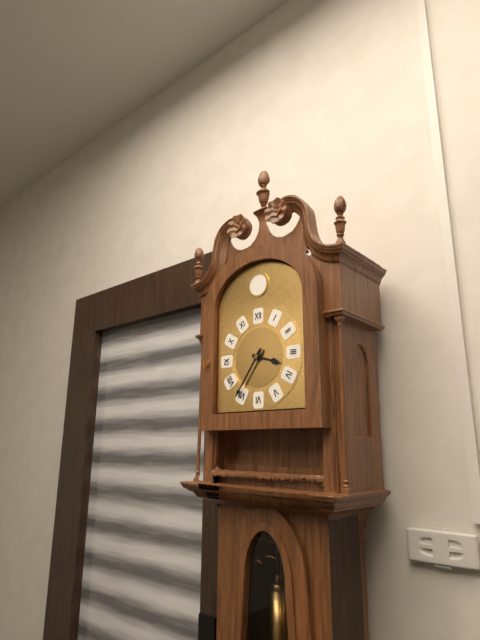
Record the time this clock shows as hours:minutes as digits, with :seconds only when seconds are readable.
3:36
